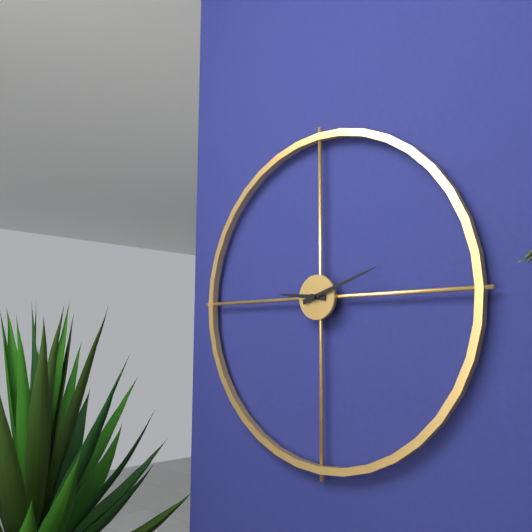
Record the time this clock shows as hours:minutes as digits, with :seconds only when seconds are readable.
9:12
